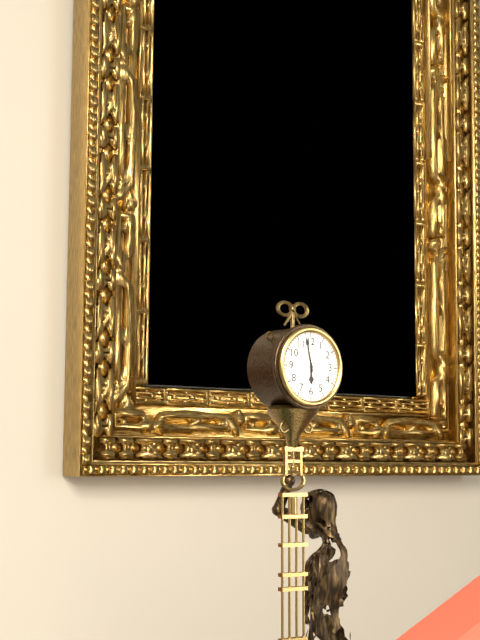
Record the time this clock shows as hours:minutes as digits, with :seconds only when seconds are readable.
5:58
